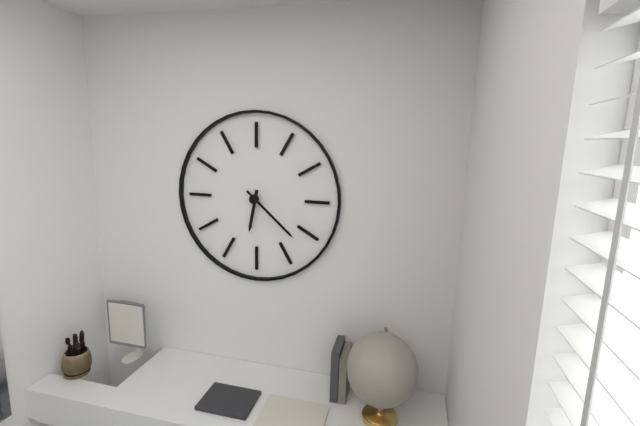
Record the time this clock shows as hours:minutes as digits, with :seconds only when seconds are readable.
6:22
